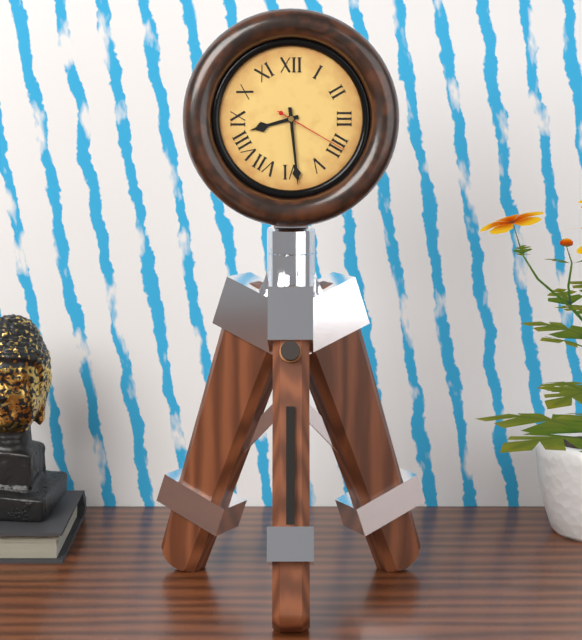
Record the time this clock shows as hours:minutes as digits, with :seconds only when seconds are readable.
8:29:20
